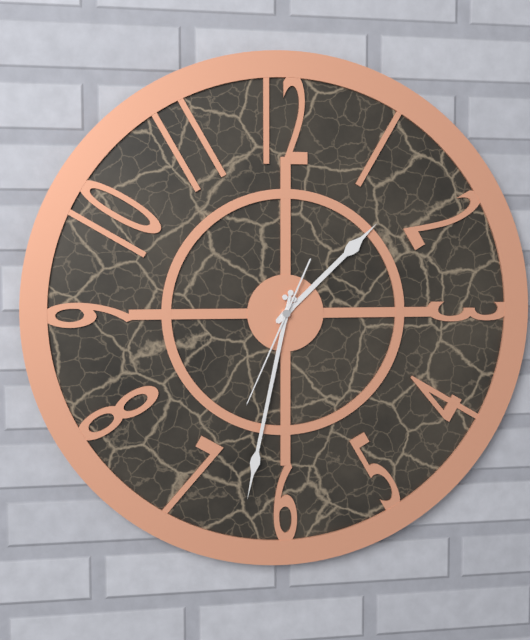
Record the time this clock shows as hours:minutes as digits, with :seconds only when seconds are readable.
1:32:34
